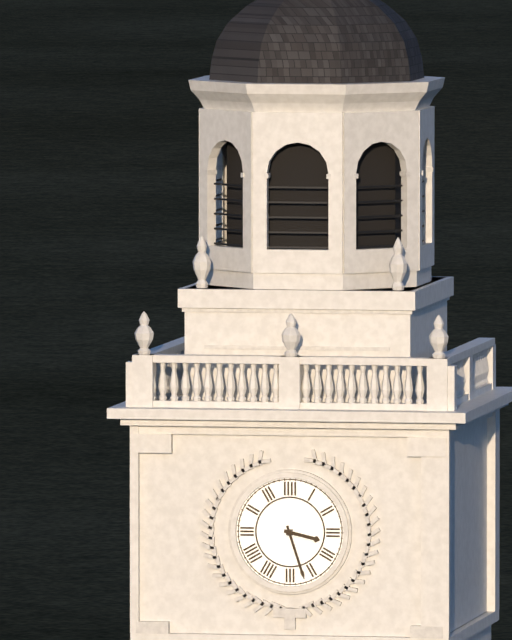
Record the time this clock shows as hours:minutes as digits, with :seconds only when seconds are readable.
3:27
